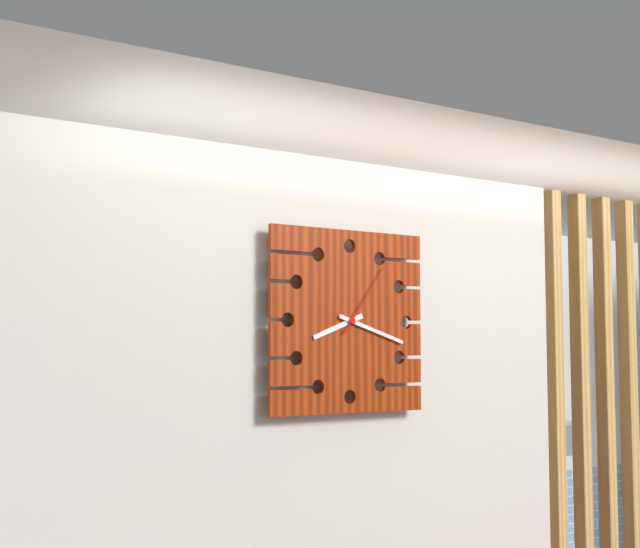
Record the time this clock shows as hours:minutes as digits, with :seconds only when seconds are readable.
8:18:06
